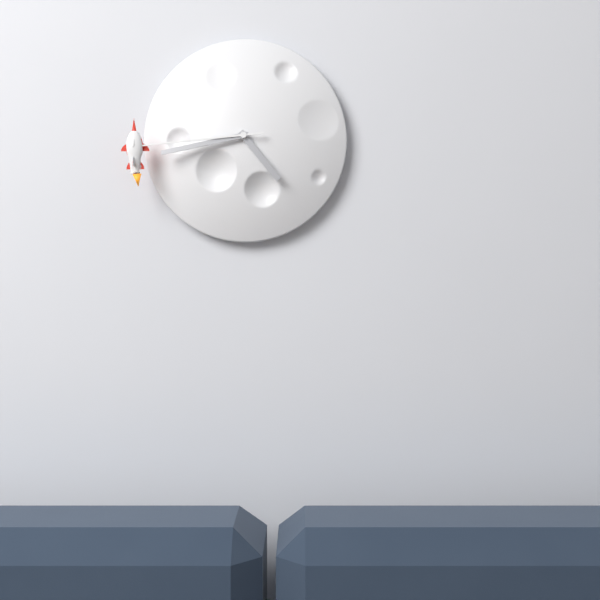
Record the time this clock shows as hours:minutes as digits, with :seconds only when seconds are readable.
4:43:44
